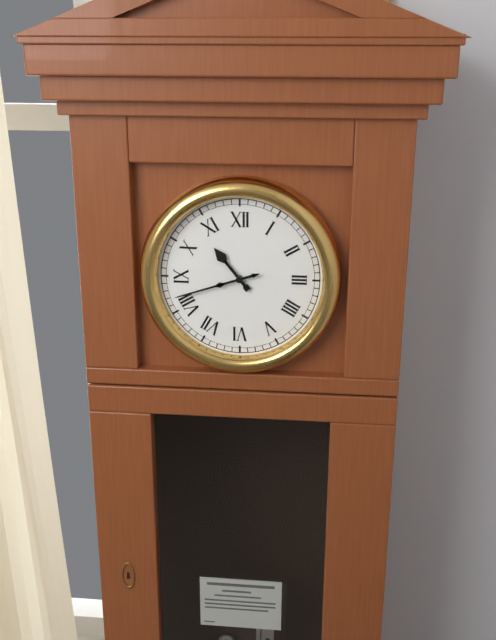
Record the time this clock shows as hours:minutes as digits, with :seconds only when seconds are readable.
10:42
